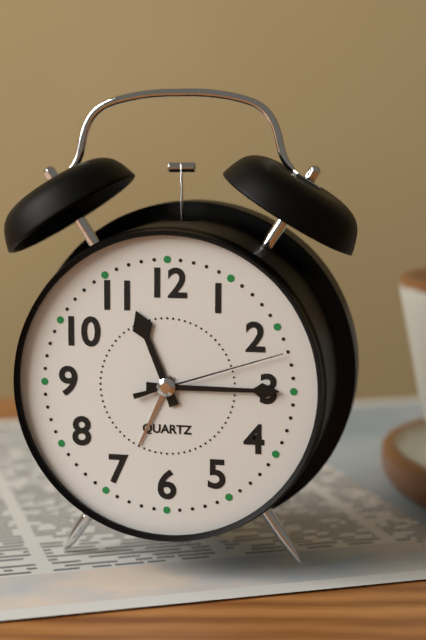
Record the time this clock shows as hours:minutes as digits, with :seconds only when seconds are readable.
11:15:12
